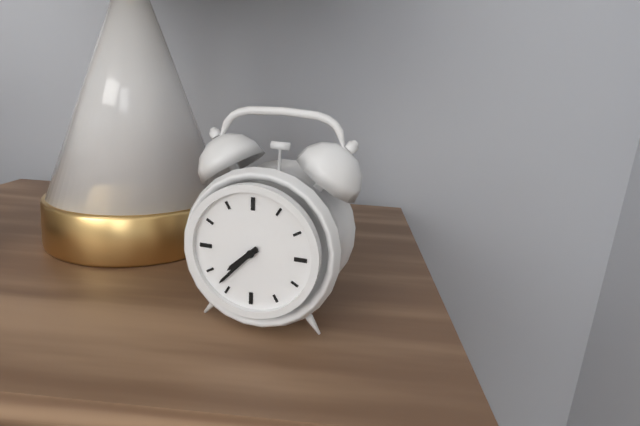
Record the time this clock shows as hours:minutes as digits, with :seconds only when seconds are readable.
7:37
